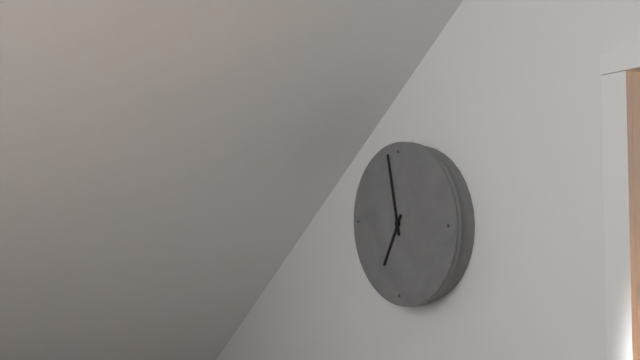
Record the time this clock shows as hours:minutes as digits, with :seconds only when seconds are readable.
6:58
